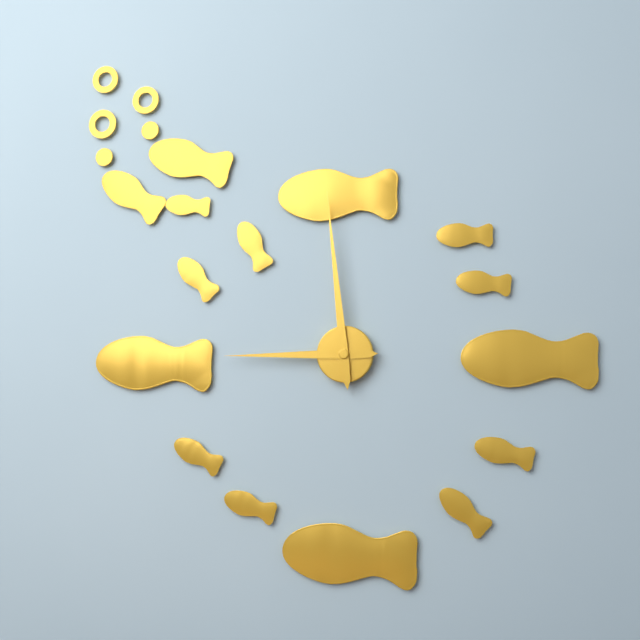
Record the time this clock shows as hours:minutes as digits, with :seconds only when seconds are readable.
8:59
